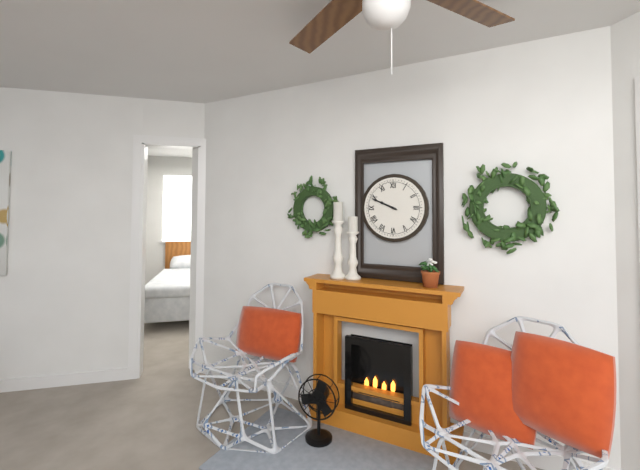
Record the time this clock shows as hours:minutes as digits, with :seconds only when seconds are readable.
9:49
